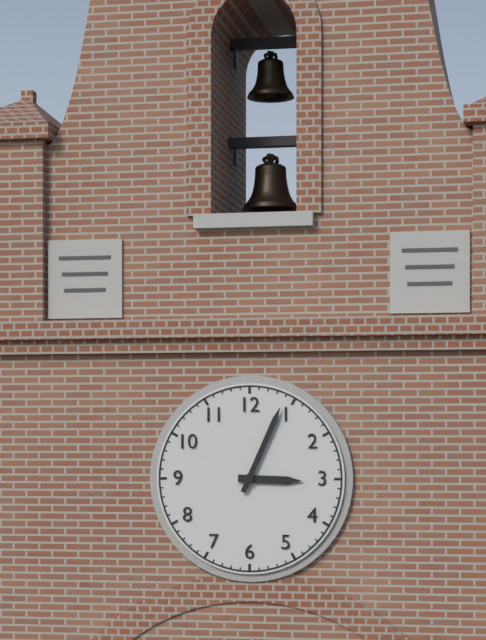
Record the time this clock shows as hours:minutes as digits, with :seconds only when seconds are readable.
3:04
